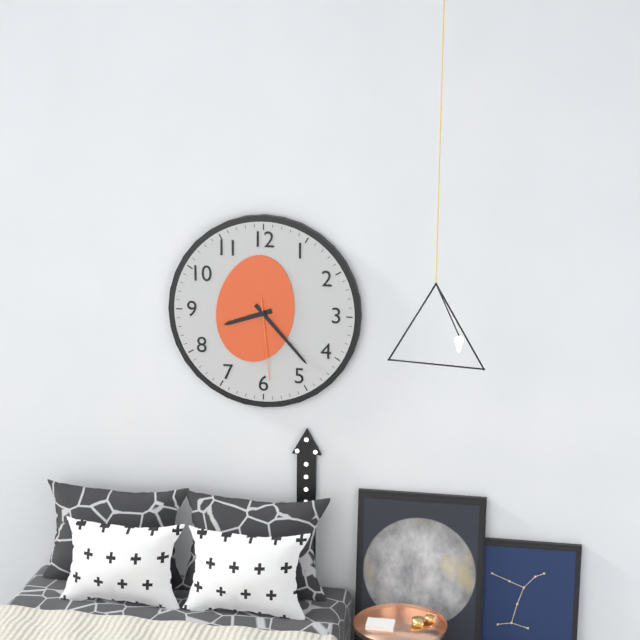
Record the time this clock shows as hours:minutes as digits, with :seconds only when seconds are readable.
8:23:29
